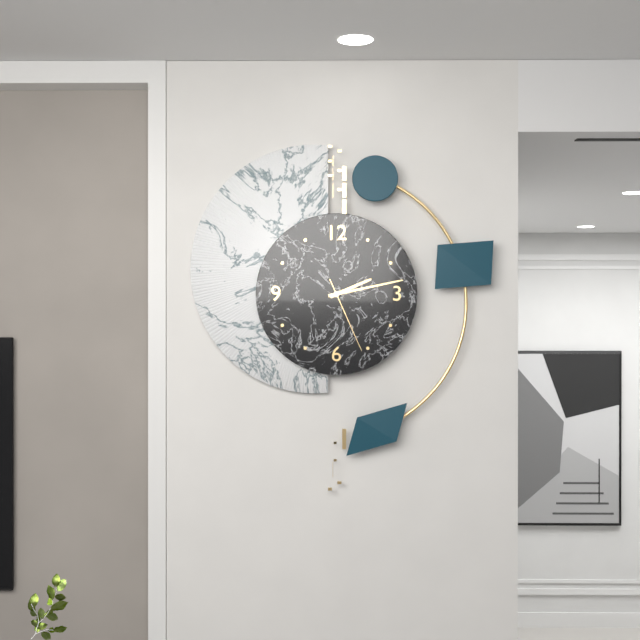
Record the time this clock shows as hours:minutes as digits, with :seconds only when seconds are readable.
2:13:26
